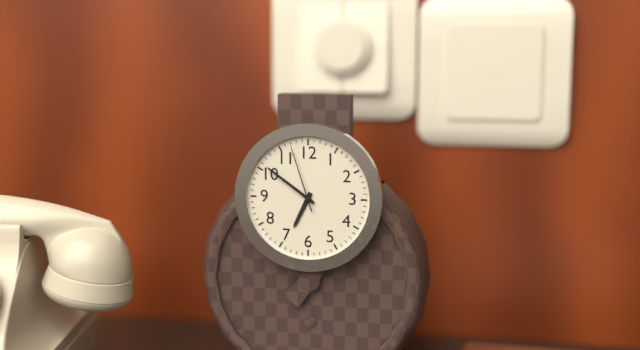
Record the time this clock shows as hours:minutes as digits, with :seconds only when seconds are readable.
6:51:57
